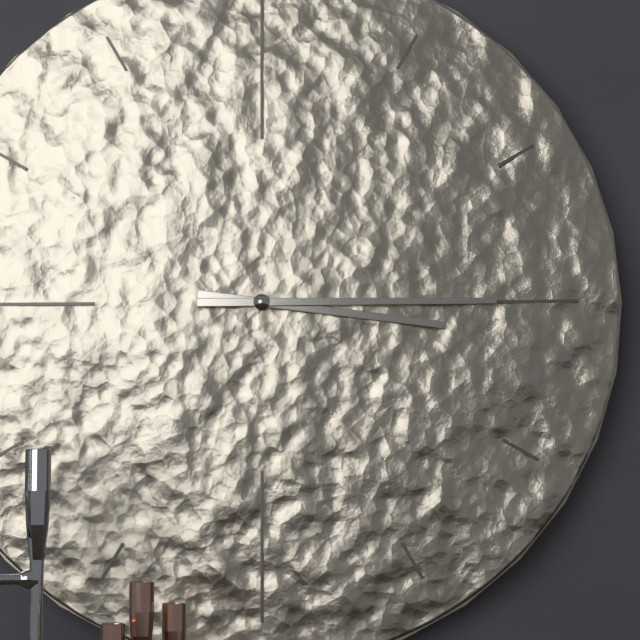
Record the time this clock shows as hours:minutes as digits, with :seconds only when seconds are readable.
3:15
